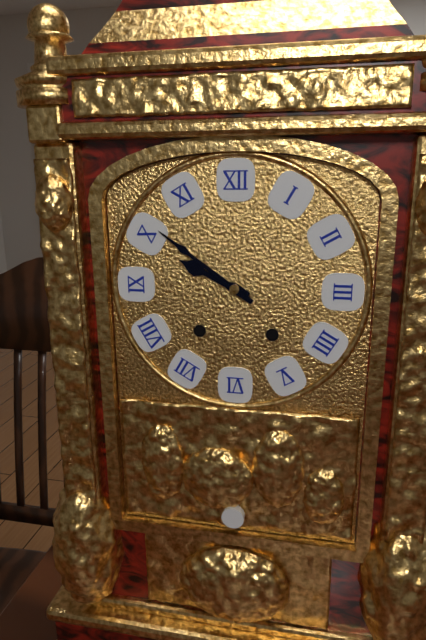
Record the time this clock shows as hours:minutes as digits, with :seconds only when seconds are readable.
9:51
